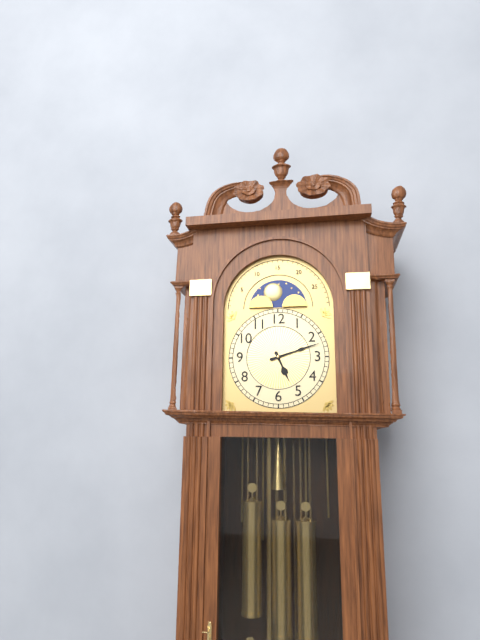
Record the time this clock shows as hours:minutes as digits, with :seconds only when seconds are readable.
5:12
